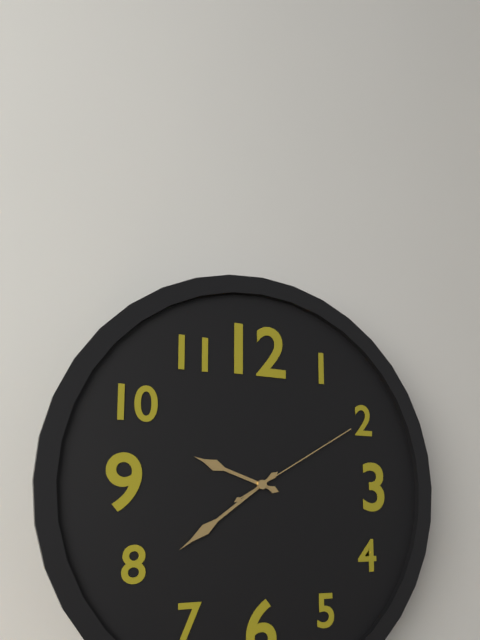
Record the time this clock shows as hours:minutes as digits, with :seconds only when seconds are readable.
9:39:10
